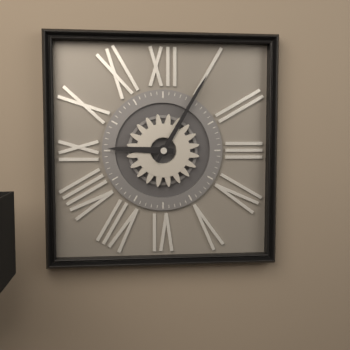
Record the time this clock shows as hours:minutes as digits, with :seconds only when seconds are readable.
9:05
